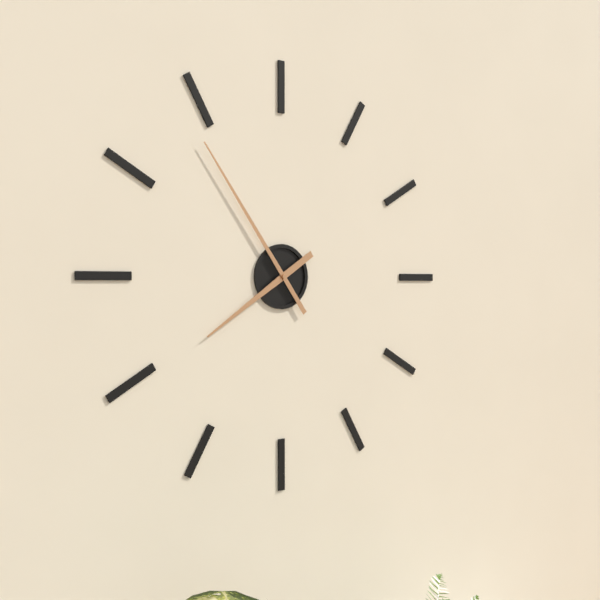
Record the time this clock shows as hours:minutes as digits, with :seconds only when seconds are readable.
7:54
